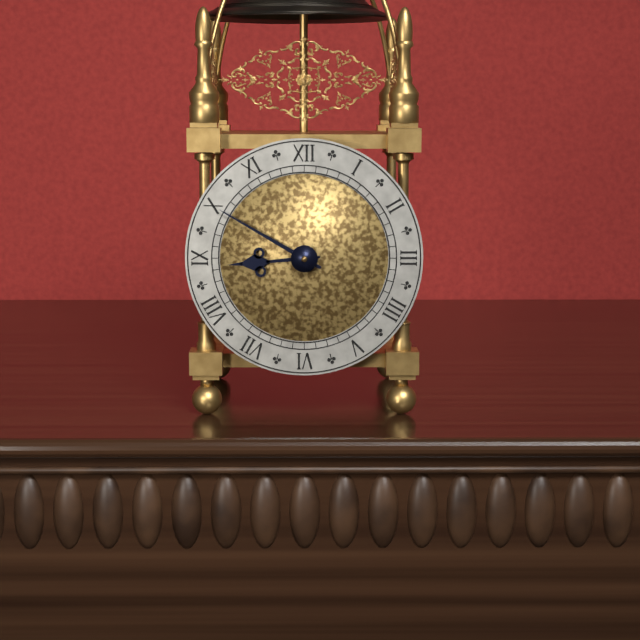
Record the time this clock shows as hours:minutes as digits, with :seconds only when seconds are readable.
8:50
